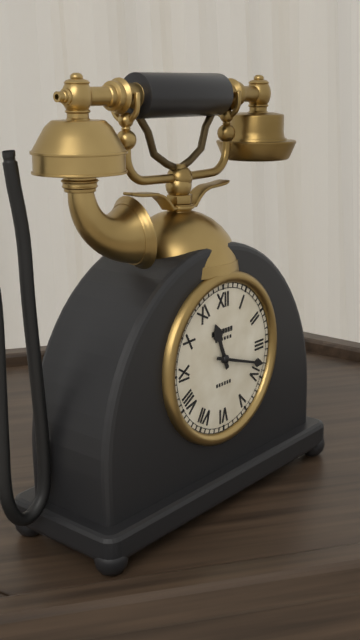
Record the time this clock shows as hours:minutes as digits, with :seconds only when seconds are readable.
11:18
